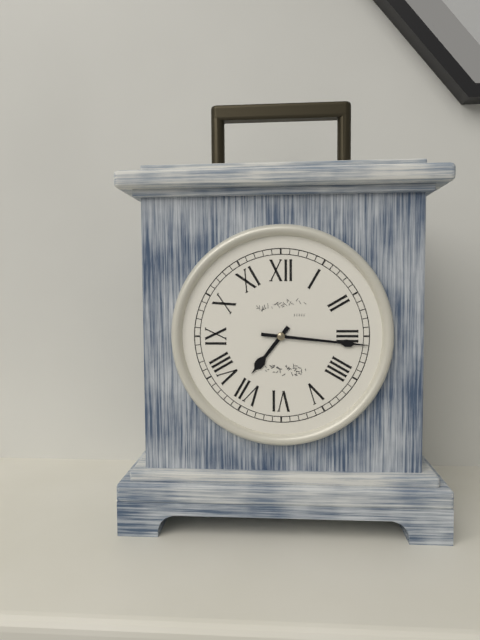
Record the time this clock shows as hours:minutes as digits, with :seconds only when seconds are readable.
7:16
